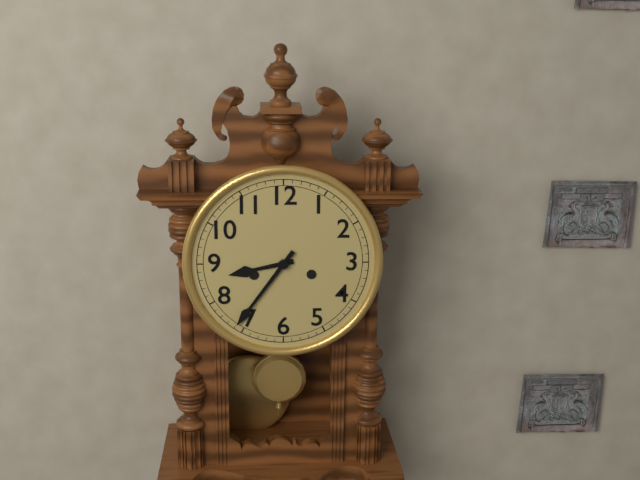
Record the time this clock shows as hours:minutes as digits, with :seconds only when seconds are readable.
8:36
